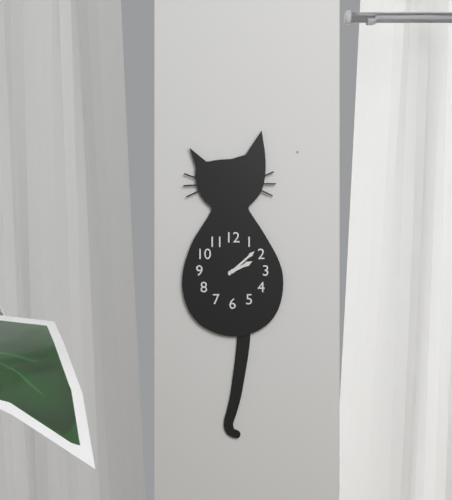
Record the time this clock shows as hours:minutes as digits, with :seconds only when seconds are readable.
2:08
